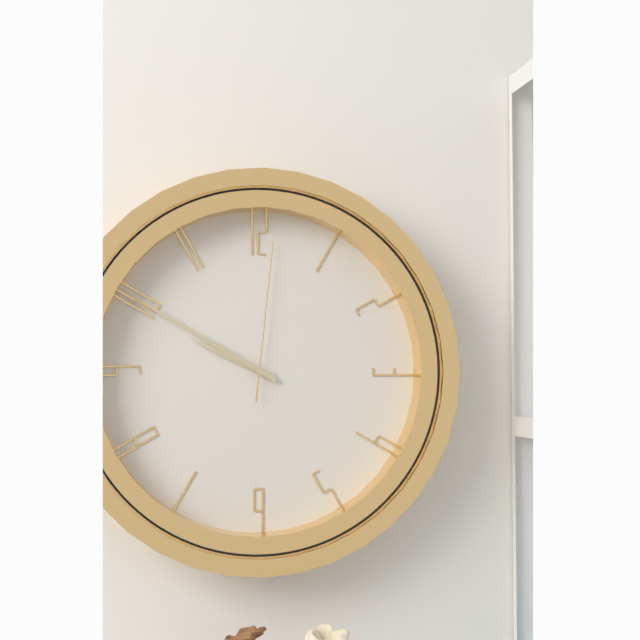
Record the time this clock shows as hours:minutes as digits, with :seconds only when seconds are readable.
9:50:01
